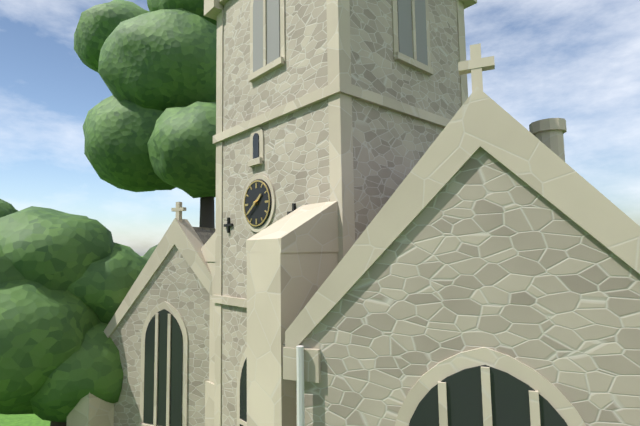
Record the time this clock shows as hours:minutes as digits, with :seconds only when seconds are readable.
1:39
